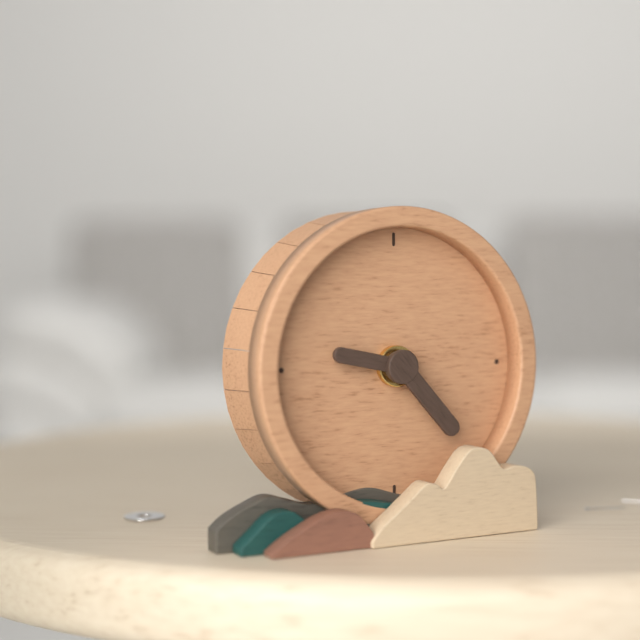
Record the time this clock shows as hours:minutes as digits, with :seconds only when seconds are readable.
9:23
